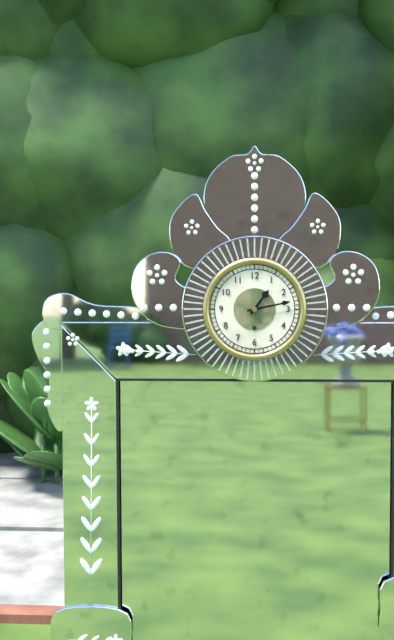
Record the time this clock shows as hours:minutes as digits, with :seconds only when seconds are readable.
1:13
